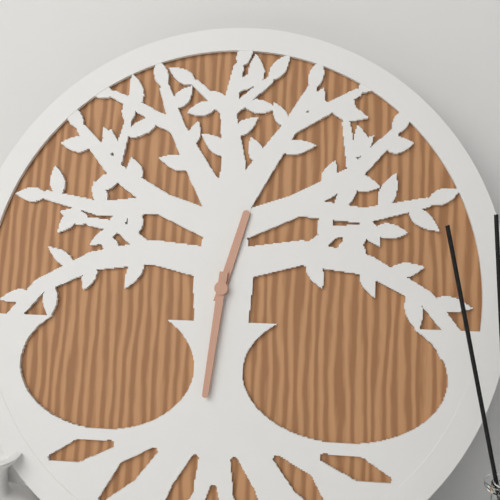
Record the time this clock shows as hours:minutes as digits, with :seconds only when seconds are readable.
12:31
